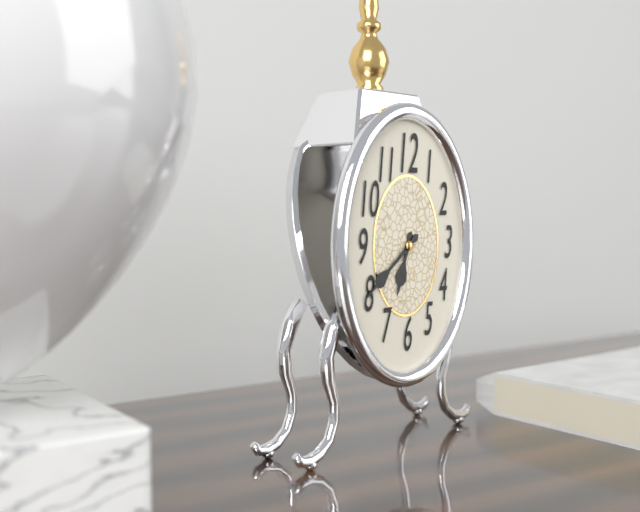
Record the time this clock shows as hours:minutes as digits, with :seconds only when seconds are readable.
6:39
